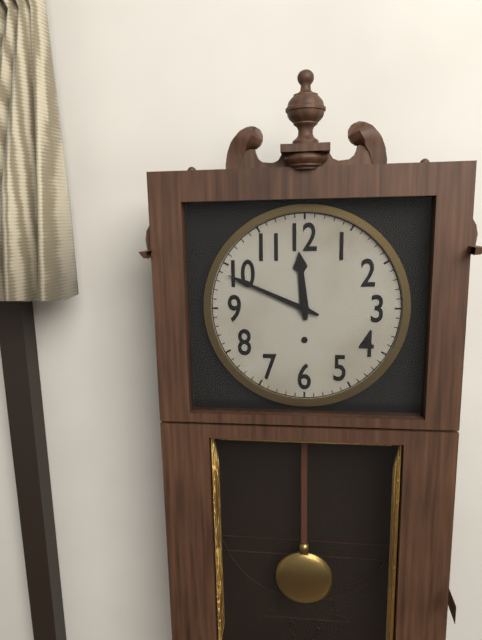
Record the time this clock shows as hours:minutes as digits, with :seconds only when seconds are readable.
11:49
